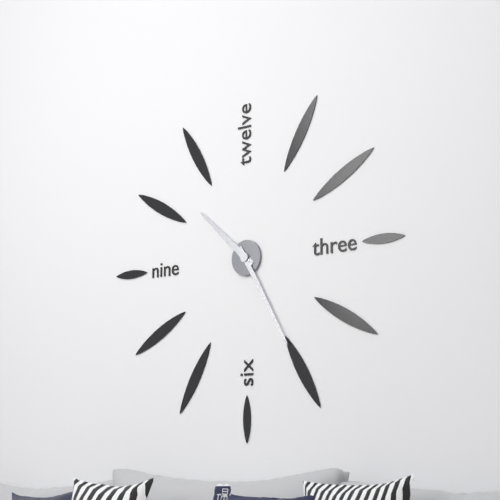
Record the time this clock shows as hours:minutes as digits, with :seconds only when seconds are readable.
10:25
